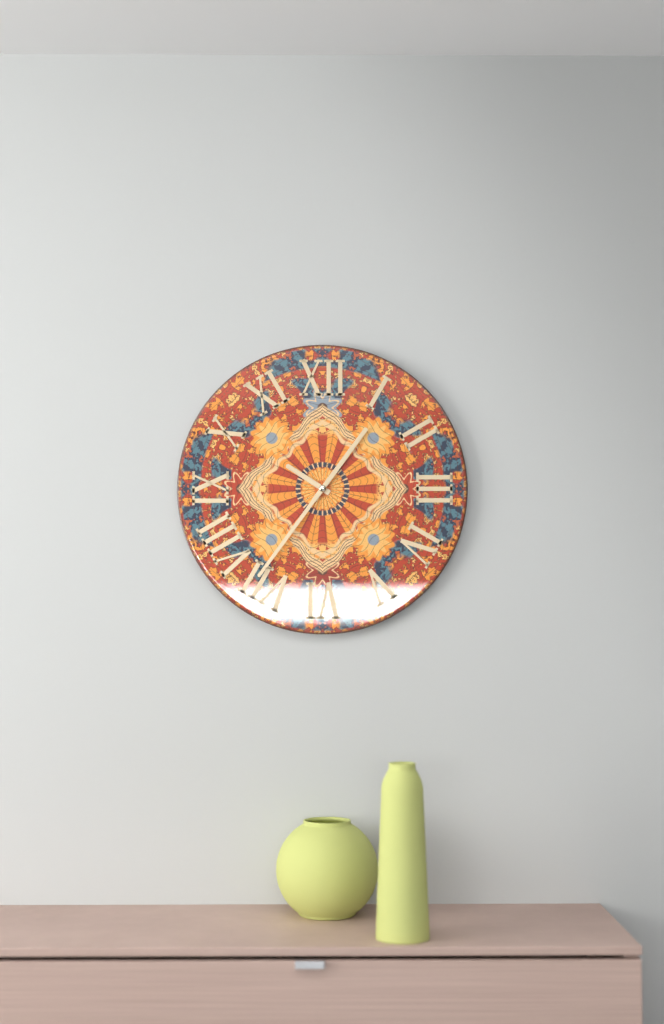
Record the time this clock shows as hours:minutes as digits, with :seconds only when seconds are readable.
10:06:36
